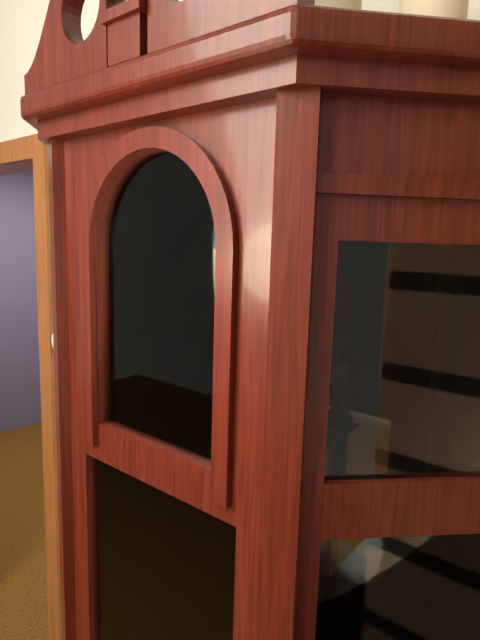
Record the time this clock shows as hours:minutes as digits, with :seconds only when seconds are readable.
3:26
